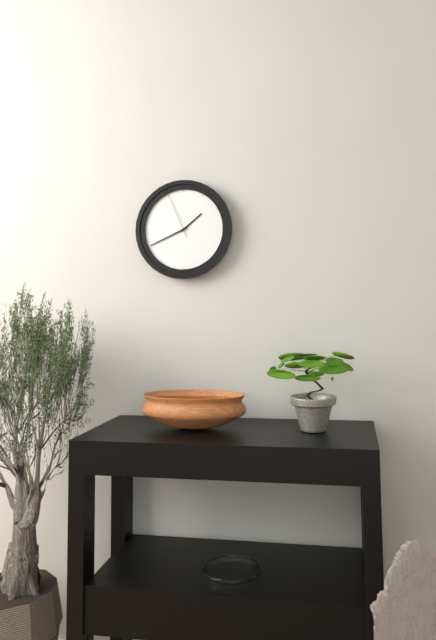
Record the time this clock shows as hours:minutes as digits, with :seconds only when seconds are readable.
1:41
